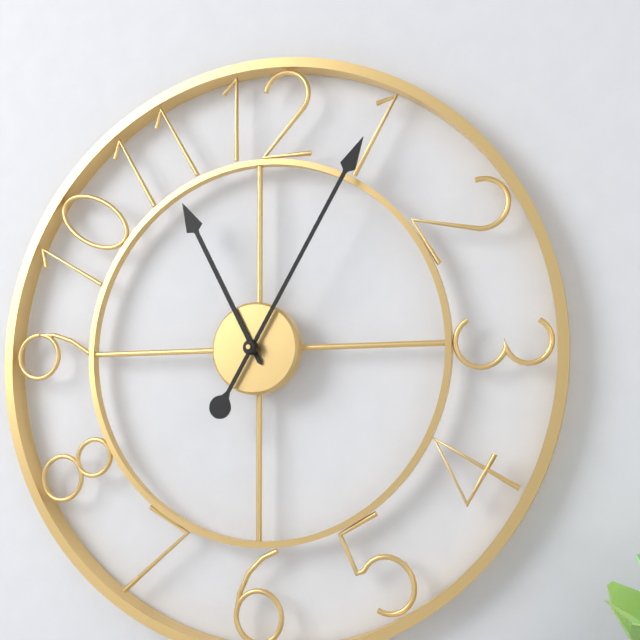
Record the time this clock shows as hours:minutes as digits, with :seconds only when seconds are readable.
11:05
